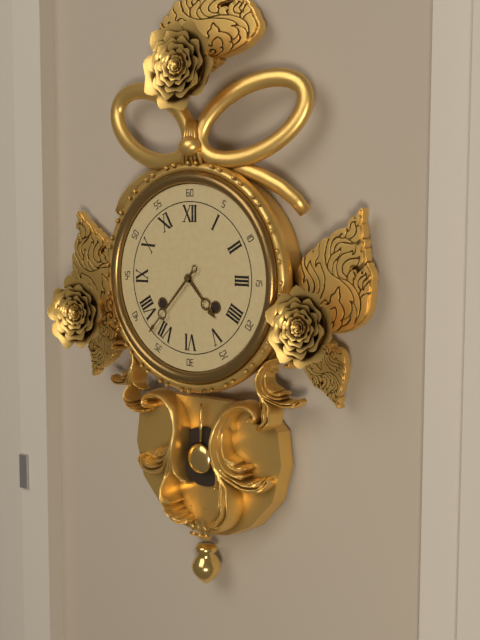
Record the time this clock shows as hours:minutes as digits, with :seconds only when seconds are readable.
4:37
